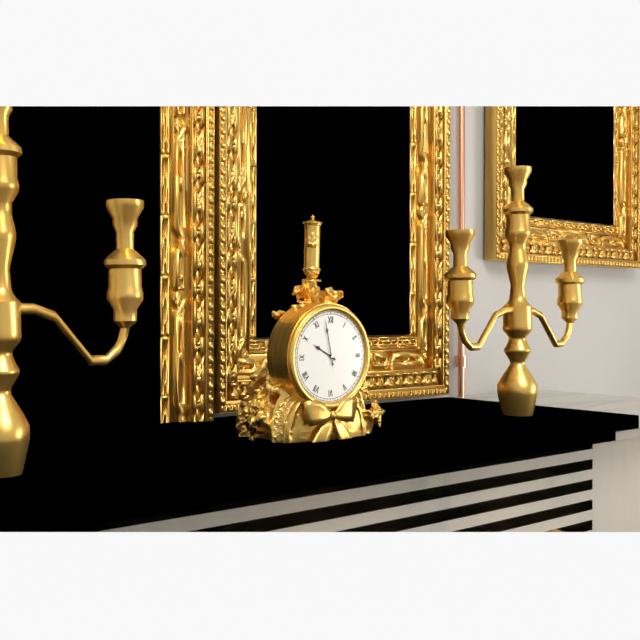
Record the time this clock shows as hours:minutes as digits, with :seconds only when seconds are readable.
9:58
